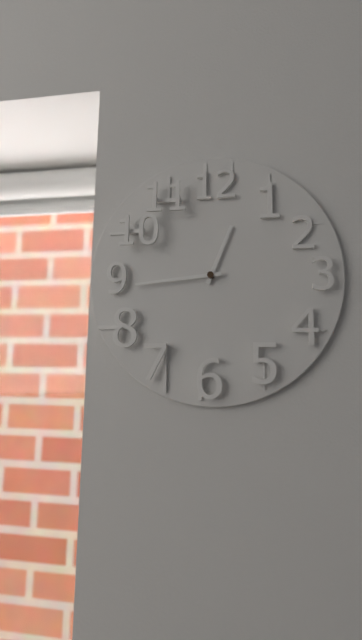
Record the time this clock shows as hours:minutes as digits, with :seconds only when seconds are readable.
12:44
